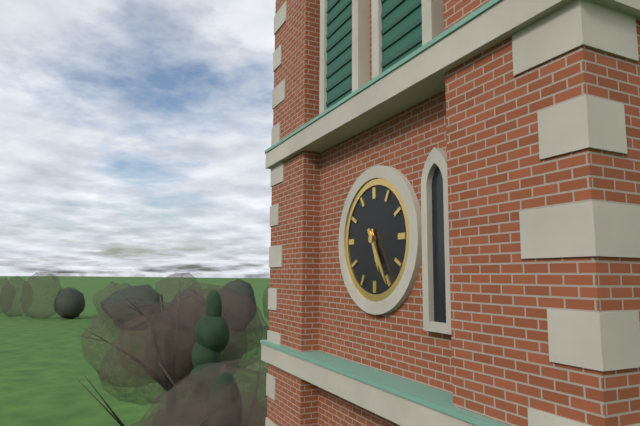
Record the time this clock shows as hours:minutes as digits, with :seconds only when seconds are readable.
5:25
